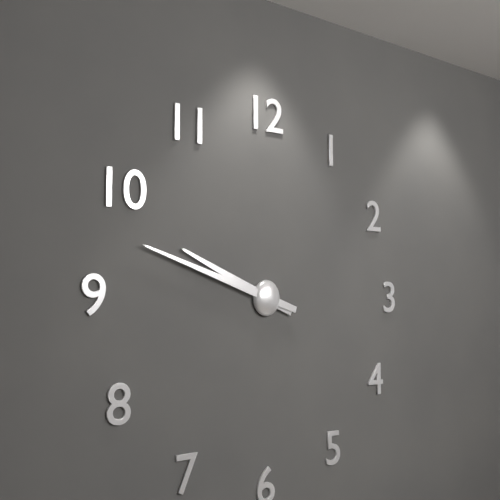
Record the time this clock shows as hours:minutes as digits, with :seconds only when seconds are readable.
9:48
